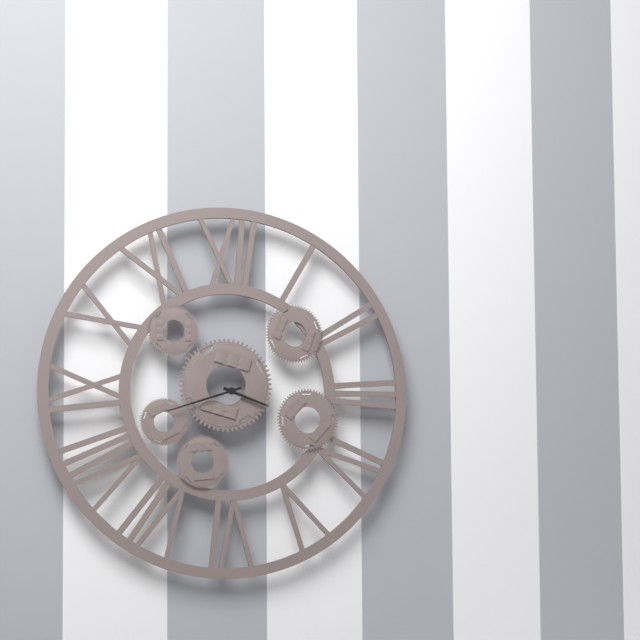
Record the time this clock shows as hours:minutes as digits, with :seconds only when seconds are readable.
3:42
